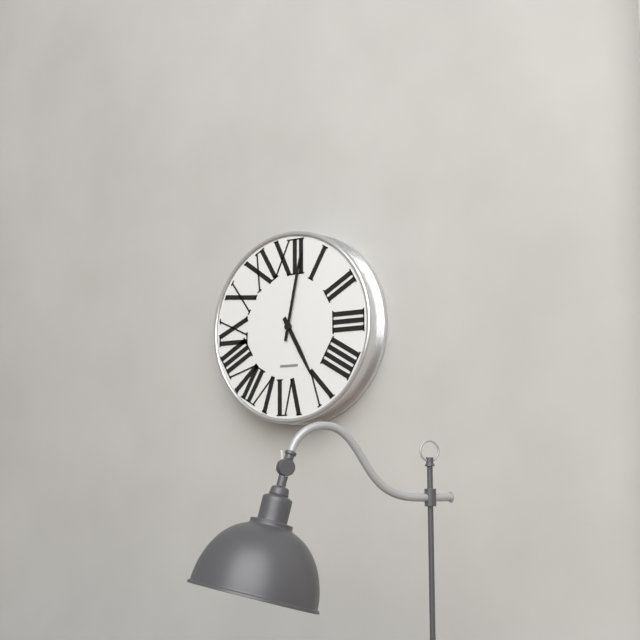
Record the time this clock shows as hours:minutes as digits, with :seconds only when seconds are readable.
5:02
